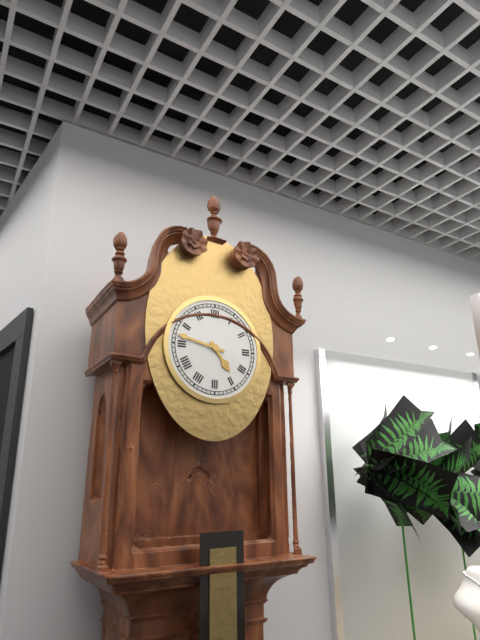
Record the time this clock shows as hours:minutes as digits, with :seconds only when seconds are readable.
4:47
